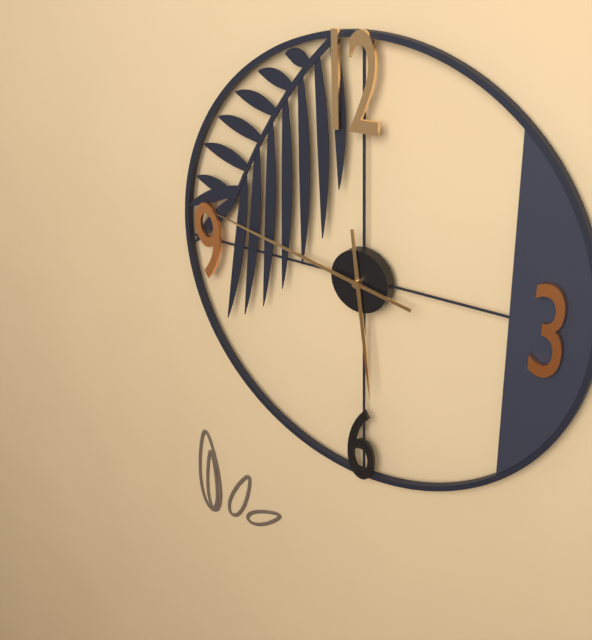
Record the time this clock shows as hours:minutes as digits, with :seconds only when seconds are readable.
5:47
